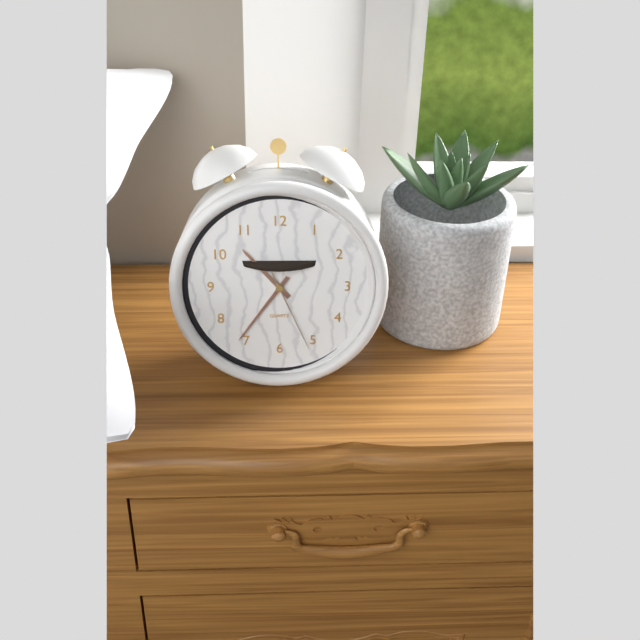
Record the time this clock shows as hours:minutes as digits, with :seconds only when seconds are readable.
10:36:26
